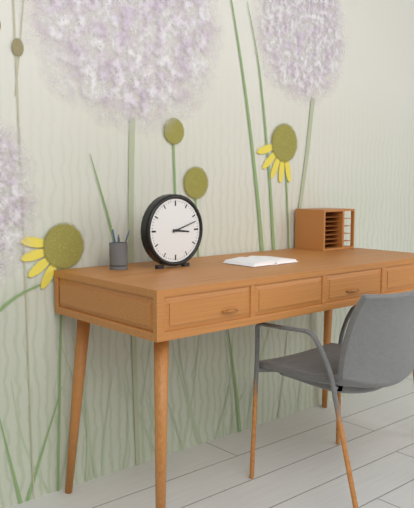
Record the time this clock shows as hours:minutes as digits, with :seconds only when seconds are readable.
3:12
